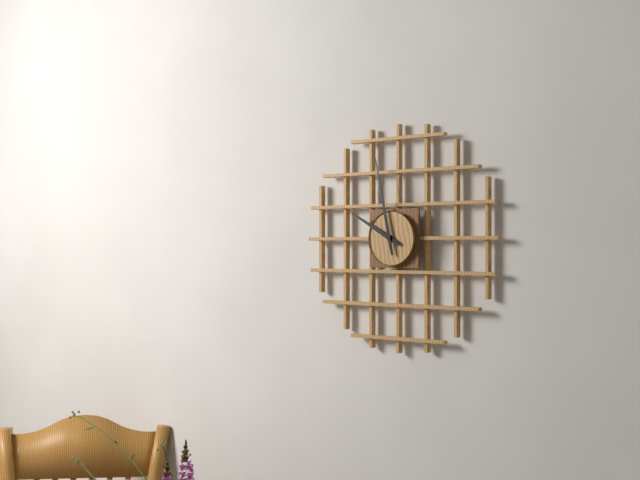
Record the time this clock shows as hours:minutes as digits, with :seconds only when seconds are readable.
9:58
